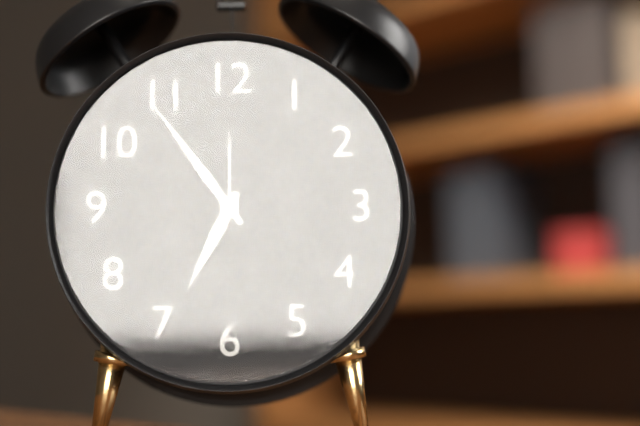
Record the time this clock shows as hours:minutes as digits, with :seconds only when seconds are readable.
6:54
